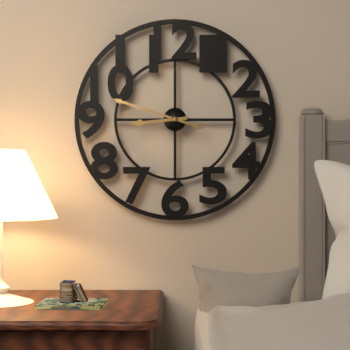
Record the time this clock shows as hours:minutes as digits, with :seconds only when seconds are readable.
8:48
